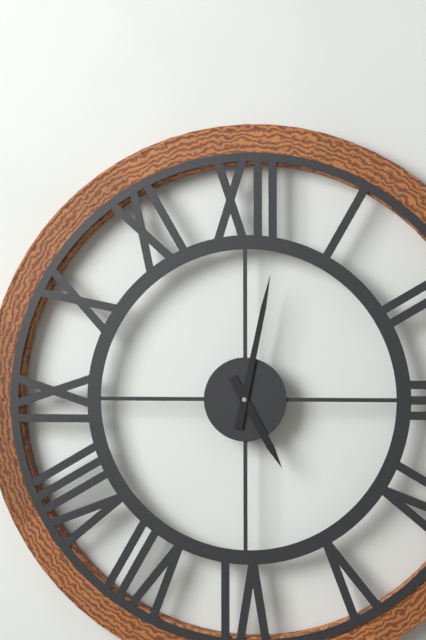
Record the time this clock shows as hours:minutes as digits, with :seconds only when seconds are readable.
5:02
